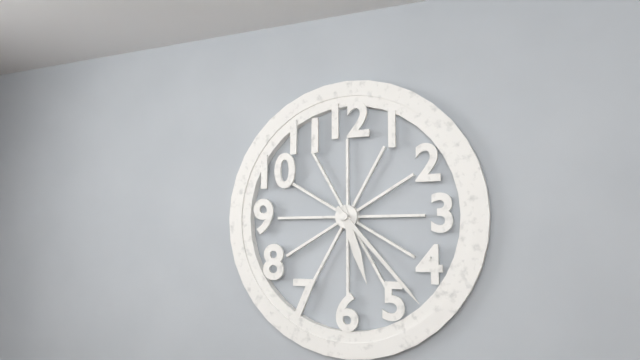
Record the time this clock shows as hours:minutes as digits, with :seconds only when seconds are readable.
5:23
